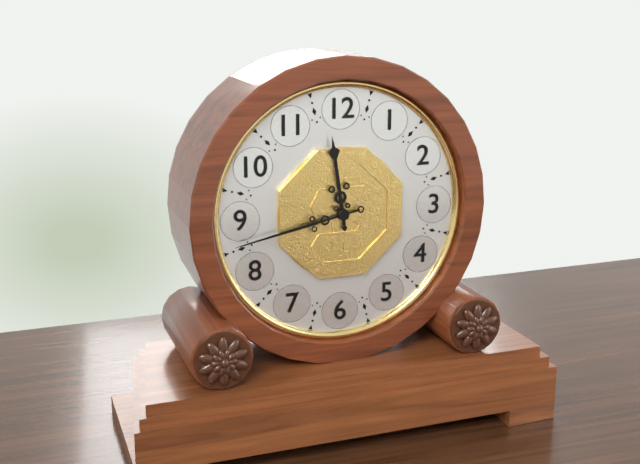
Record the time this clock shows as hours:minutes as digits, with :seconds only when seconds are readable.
11:43
